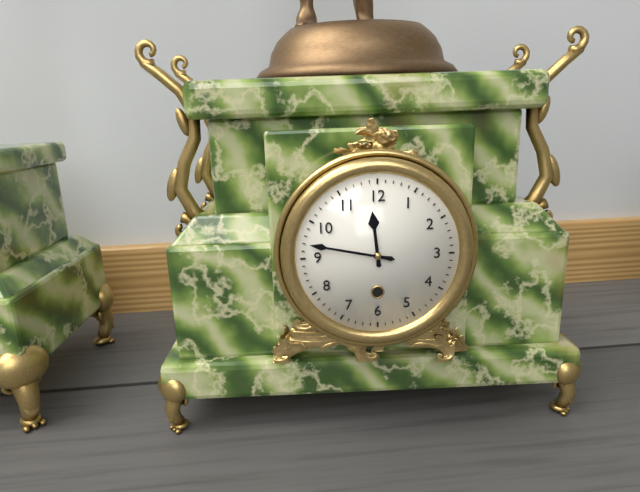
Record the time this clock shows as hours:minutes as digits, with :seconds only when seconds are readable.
11:47
